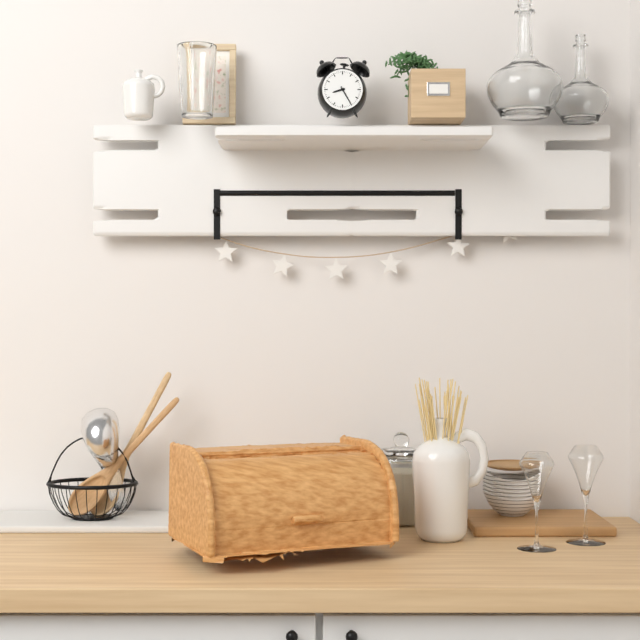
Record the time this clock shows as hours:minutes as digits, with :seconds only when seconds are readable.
8:25
